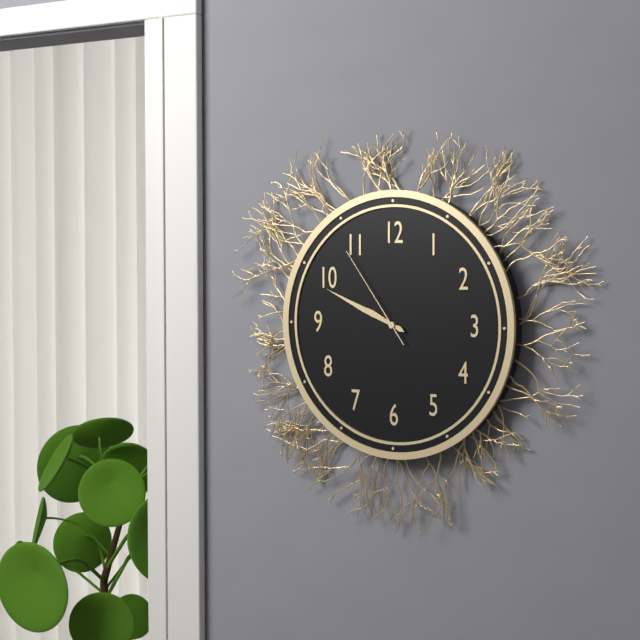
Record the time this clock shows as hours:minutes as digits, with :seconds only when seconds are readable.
9:49:54
